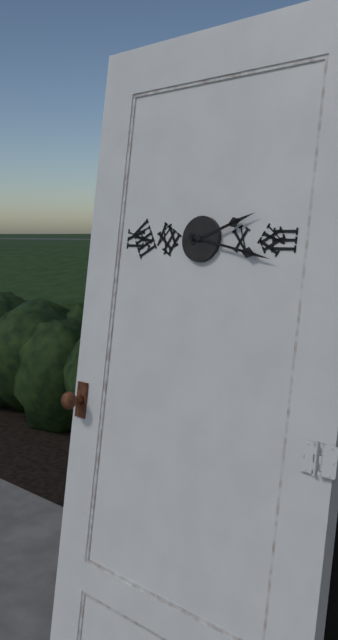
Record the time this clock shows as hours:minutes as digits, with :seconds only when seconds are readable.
2:17
